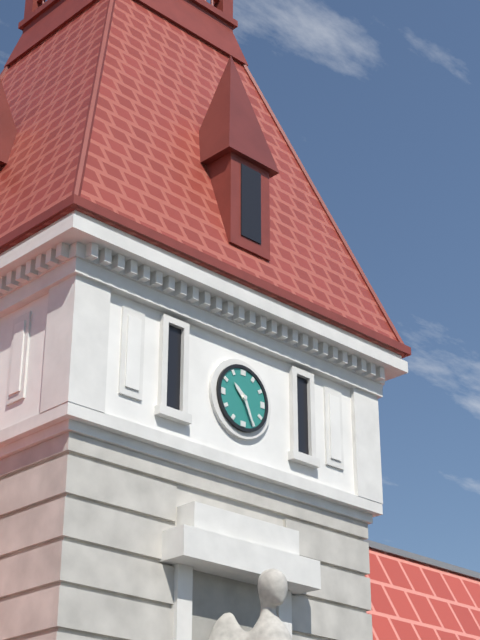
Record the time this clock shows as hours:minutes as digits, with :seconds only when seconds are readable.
10:26
